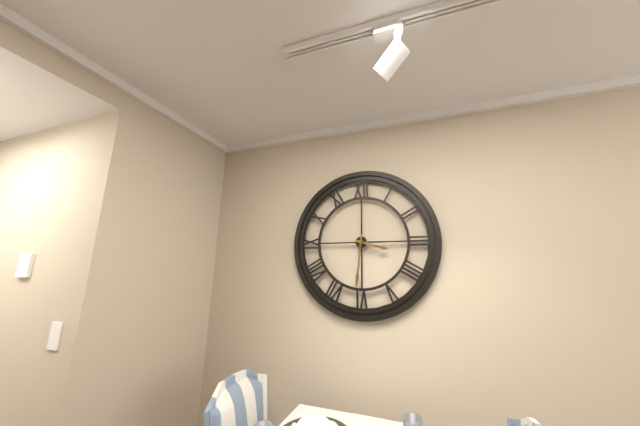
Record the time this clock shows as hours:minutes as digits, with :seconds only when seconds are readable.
3:31
